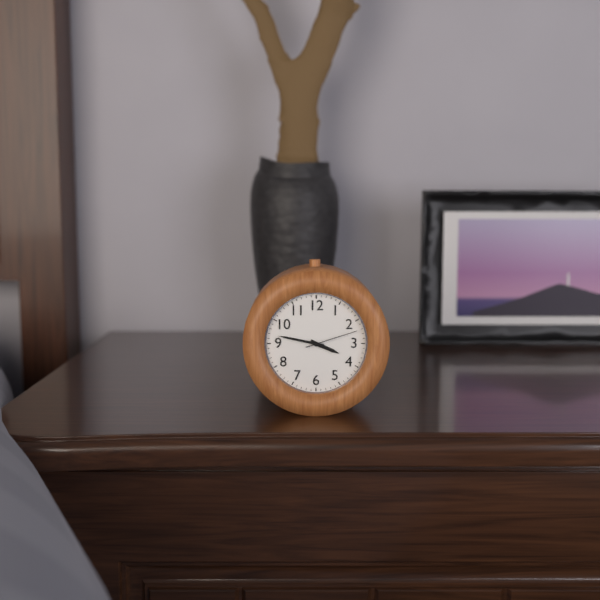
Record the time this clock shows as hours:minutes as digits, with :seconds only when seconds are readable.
3:47:12
